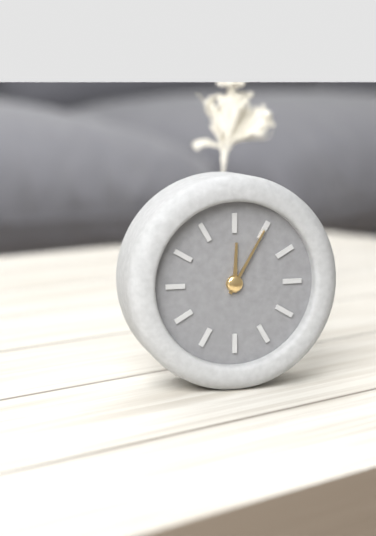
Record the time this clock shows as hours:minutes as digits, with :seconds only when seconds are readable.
12:05
